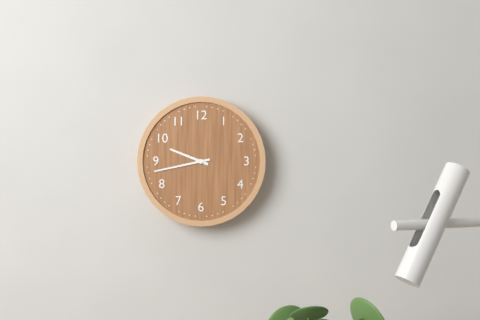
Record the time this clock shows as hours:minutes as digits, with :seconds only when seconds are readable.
9:43
